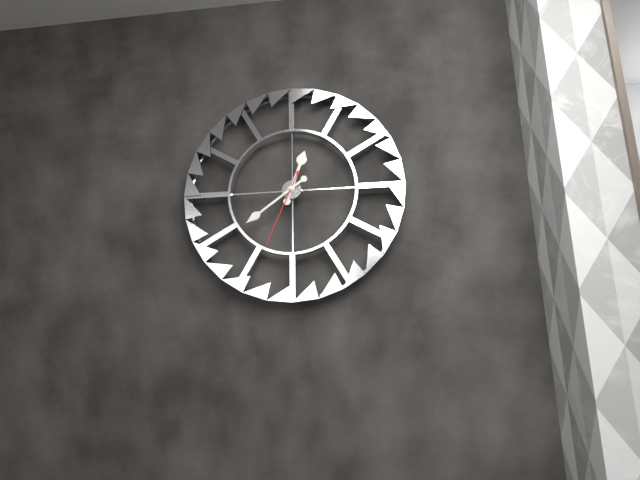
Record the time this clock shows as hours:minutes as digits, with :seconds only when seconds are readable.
12:39:34
